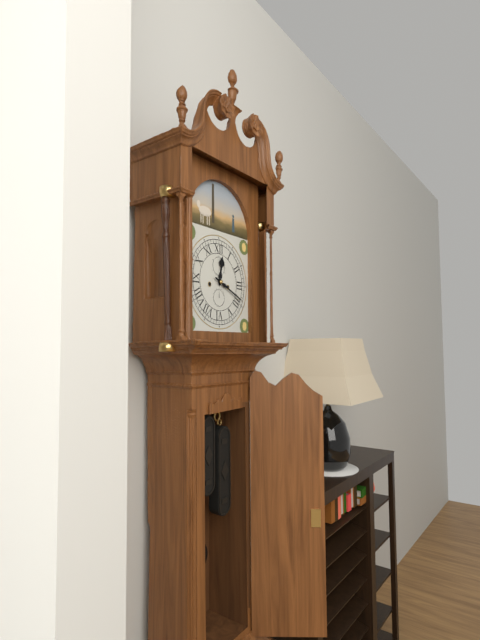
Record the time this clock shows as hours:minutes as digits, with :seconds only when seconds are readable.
12:19
